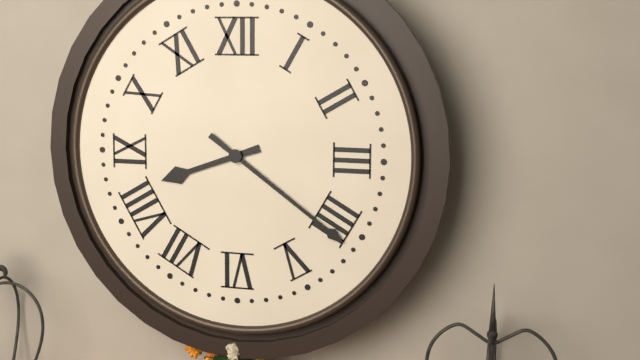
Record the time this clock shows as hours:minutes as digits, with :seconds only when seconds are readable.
8:21
